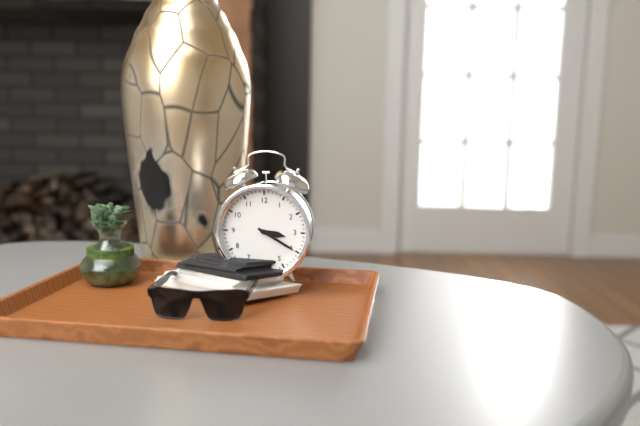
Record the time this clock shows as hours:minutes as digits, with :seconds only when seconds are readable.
3:20
